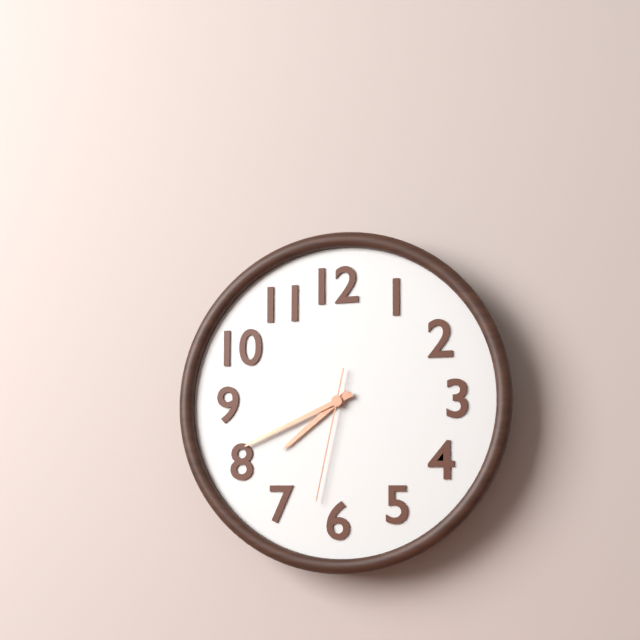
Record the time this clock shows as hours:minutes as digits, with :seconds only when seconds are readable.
7:41:32
